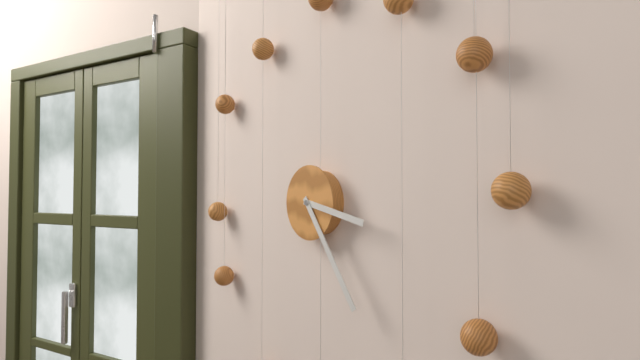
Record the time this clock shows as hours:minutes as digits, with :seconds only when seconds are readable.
3:24
